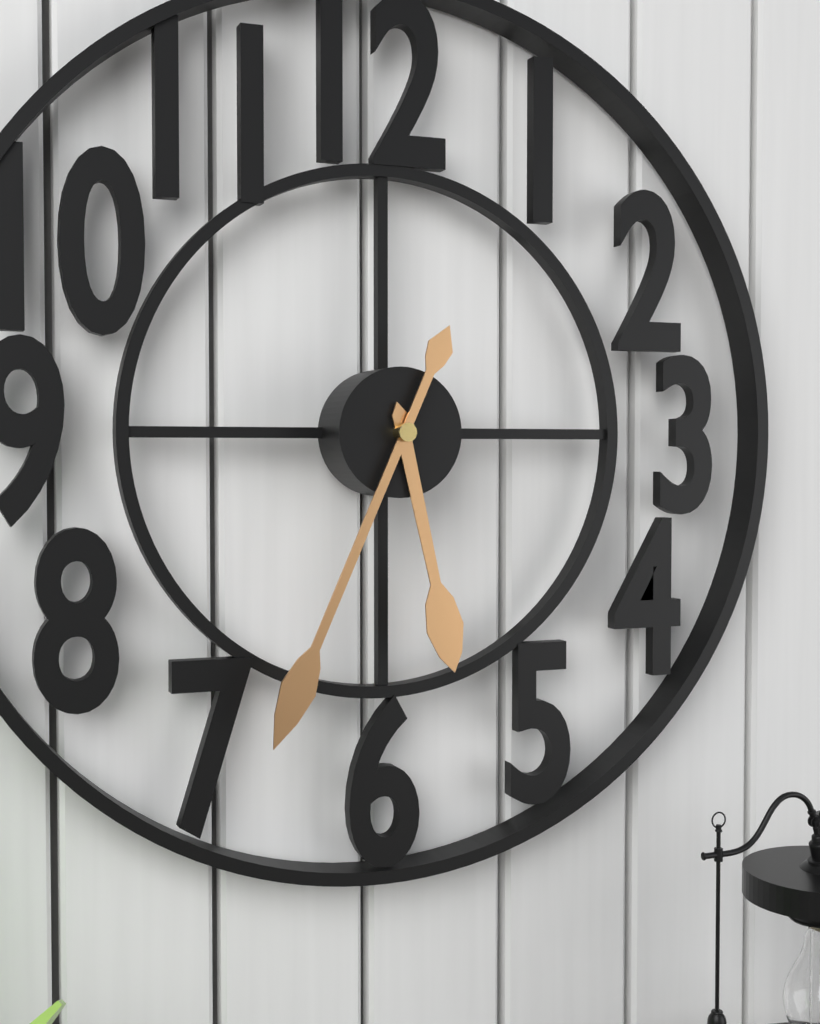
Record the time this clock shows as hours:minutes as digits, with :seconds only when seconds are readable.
5:34
